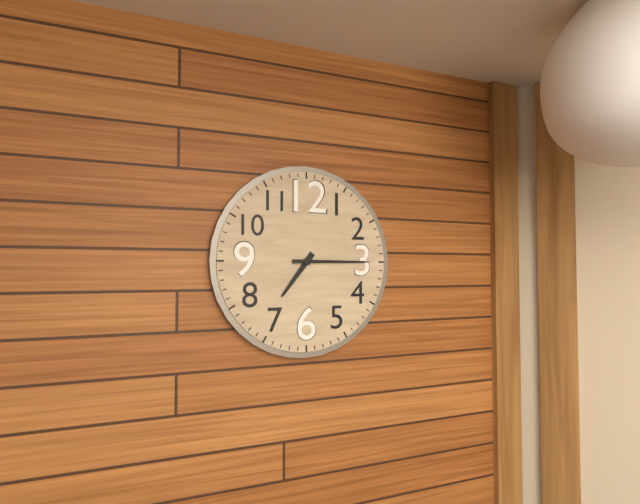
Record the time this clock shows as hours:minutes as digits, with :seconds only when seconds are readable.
7:15
